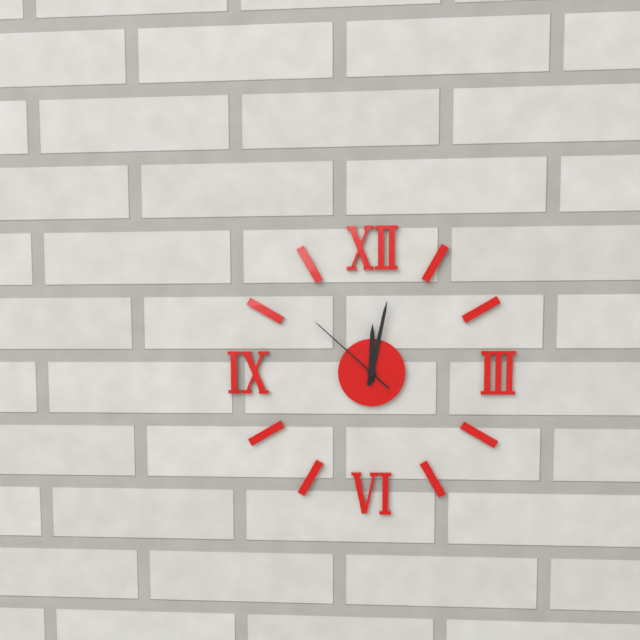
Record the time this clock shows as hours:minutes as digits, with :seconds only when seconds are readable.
12:02:52
